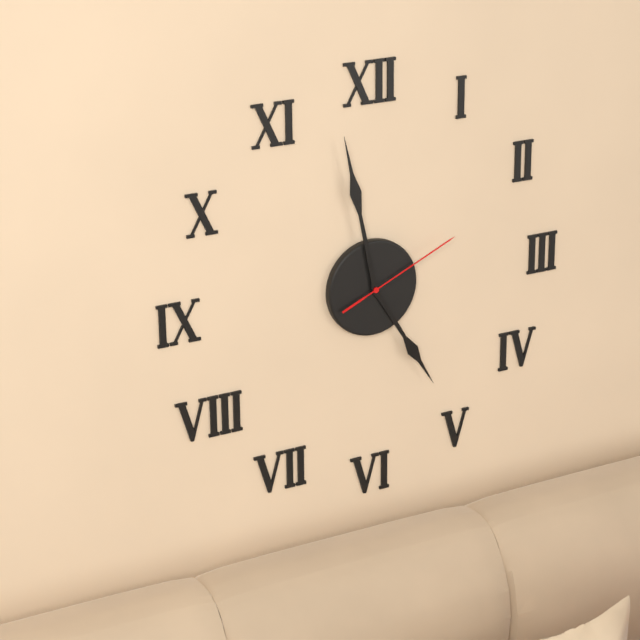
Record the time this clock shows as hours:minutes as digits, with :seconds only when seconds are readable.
4:58:11
